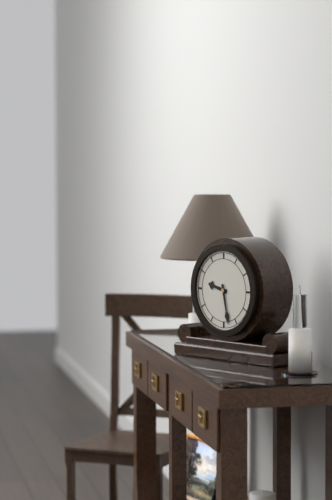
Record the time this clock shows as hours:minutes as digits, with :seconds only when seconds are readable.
9:28
